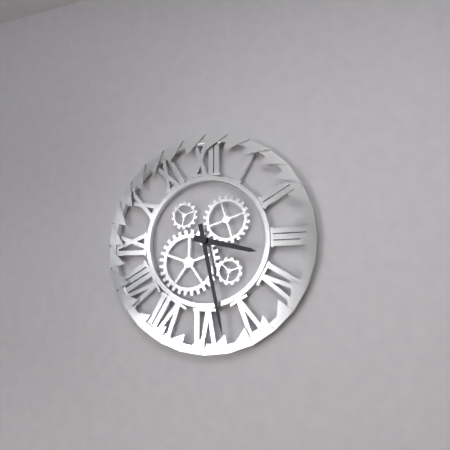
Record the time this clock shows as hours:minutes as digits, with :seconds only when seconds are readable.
3:28
